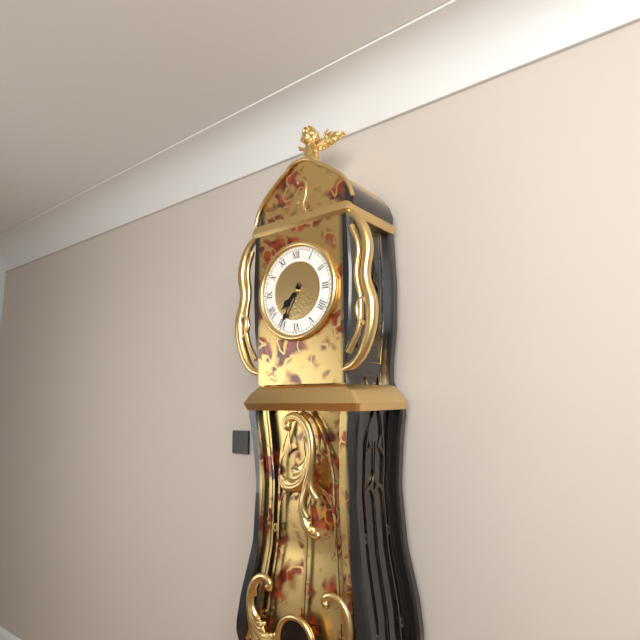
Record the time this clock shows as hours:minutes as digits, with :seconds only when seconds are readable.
7:35
